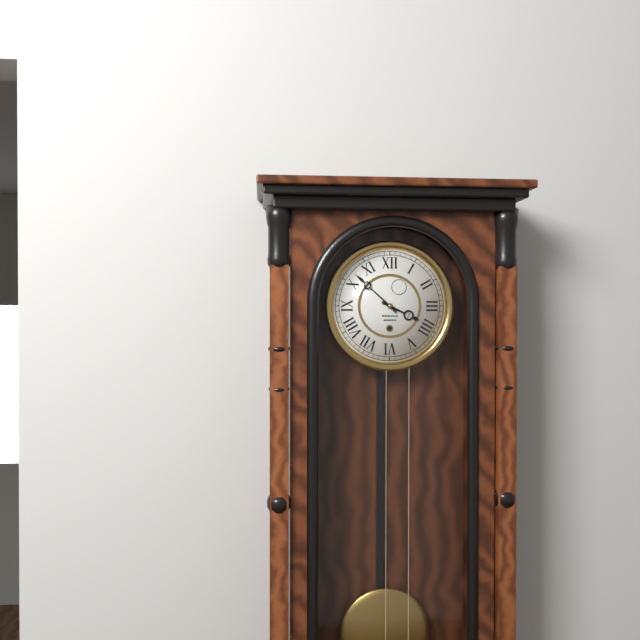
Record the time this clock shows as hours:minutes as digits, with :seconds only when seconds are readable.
3:52
